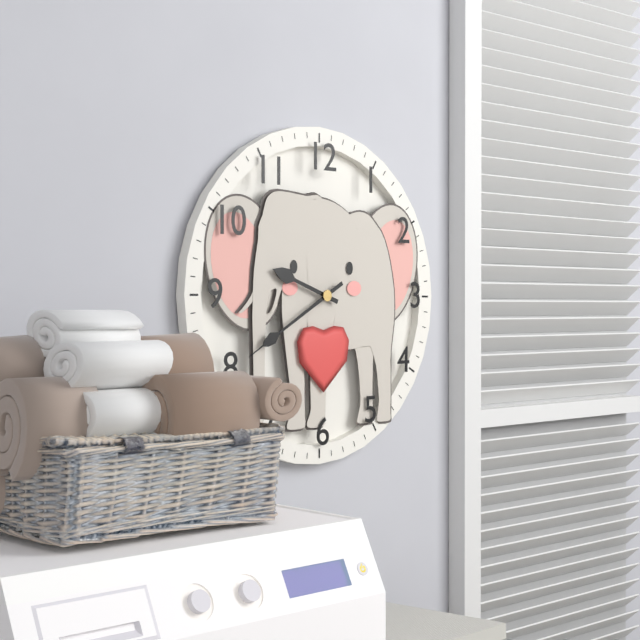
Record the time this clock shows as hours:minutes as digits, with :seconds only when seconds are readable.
9:40
